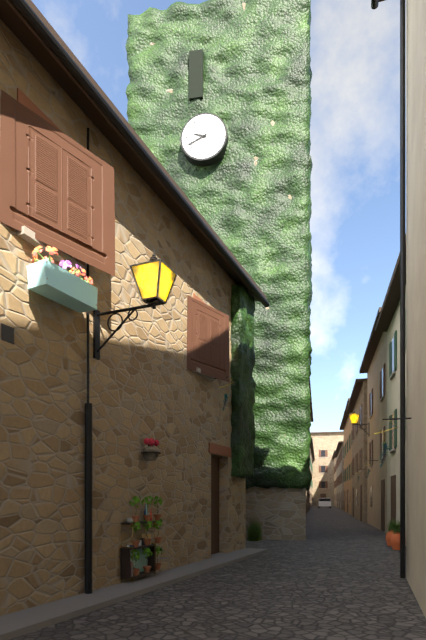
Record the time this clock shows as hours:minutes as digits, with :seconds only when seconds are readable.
9:41
